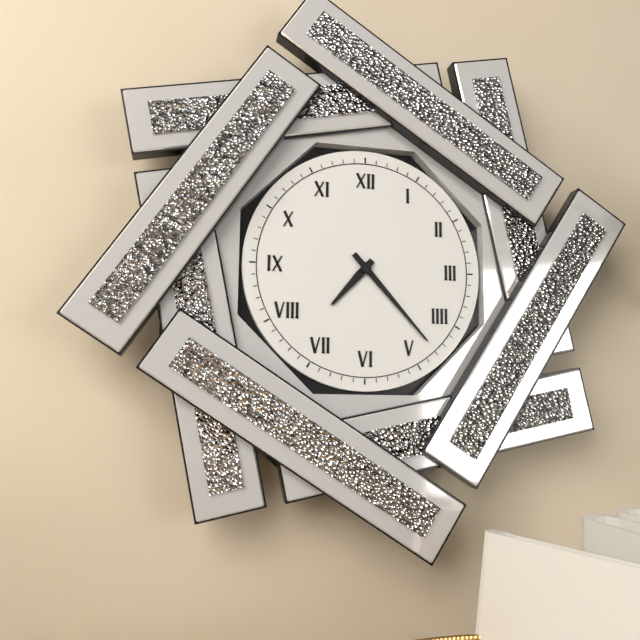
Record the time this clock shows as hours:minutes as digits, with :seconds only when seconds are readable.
7:23
